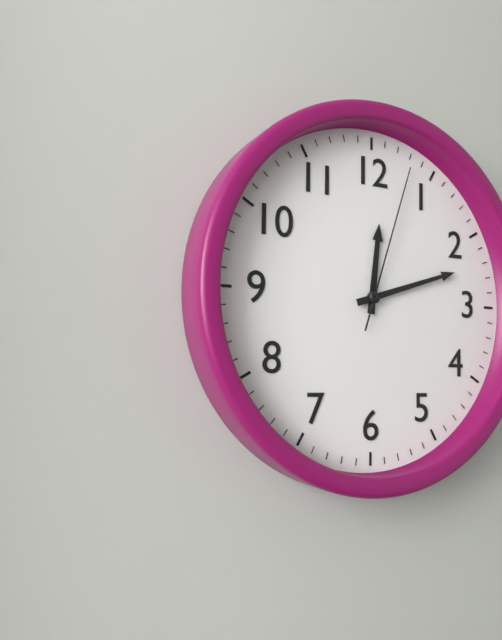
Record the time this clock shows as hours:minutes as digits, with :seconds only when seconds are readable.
12:12:03
